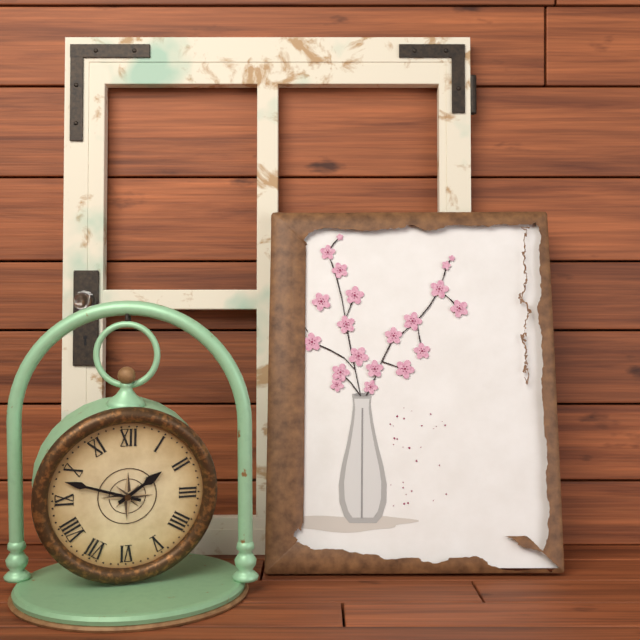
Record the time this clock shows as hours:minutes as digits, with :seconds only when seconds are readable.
1:48
